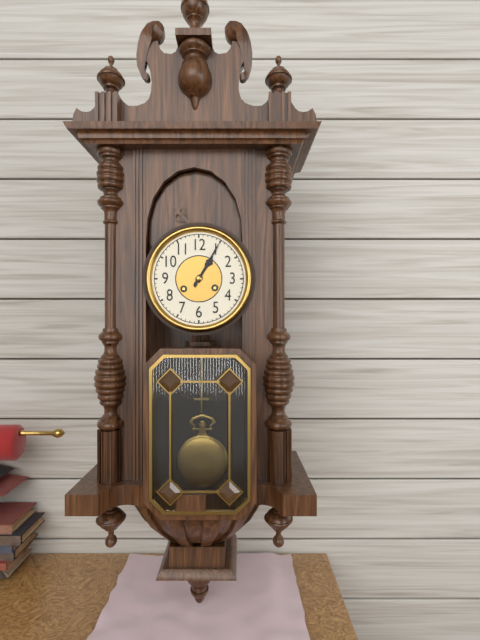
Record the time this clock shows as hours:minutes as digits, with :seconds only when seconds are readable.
1:05
